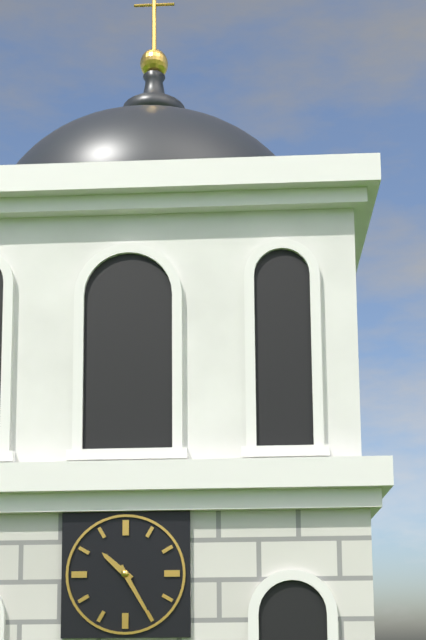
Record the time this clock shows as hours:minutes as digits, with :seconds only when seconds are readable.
10:25
